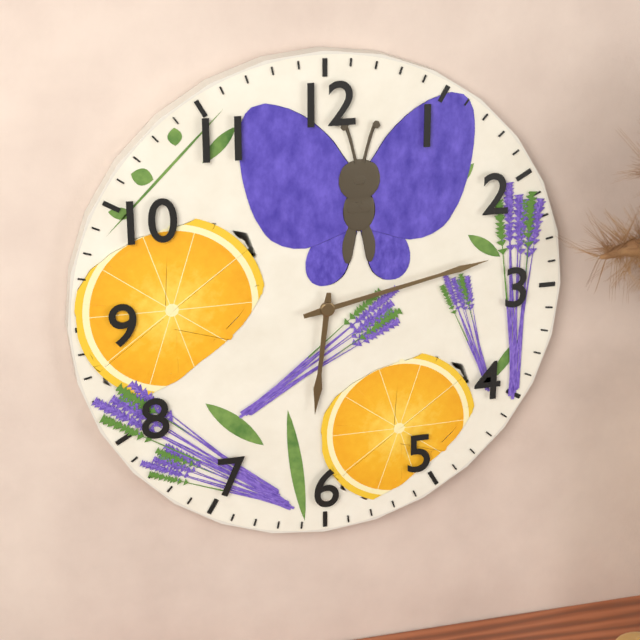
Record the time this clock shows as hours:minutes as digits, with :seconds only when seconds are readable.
6:13
